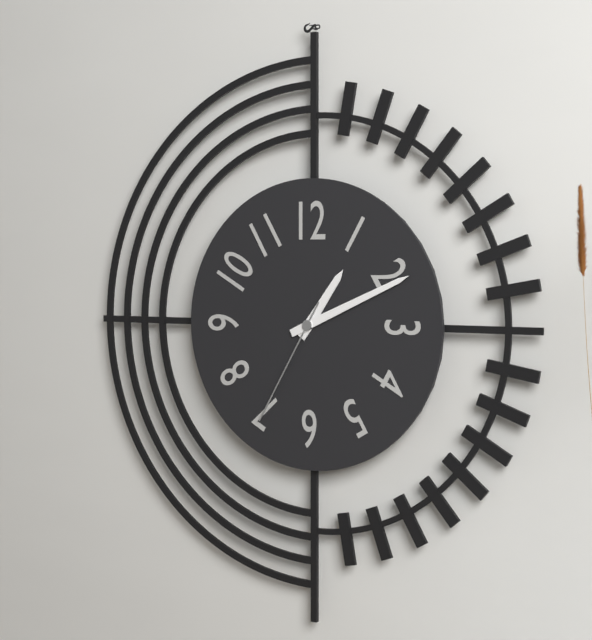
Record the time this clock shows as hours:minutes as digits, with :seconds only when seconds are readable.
1:11:35
